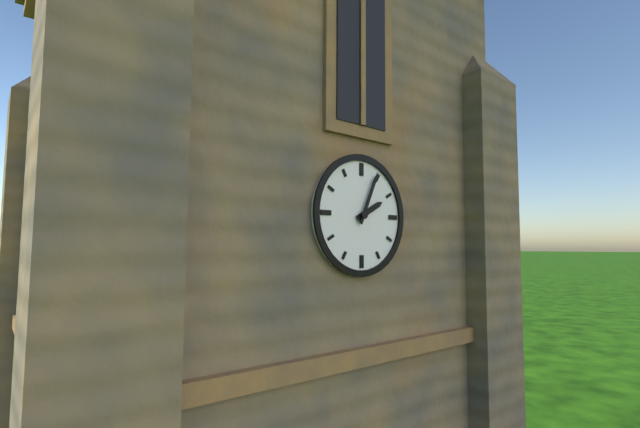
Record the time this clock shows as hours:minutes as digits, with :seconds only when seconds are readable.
2:04
